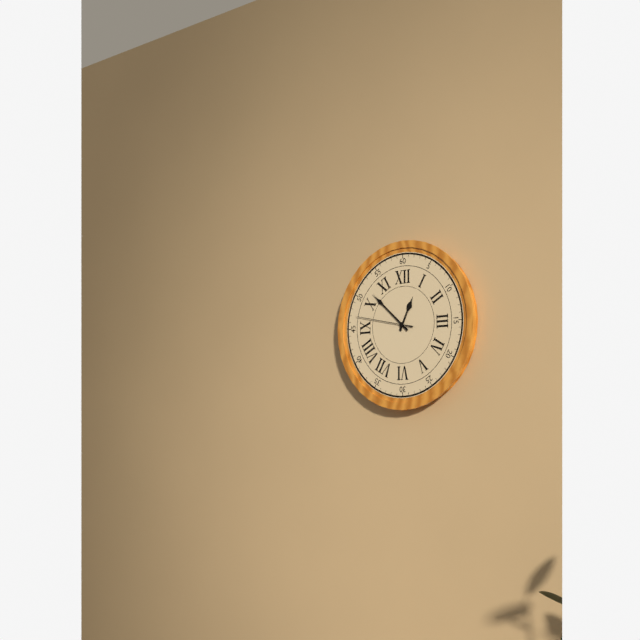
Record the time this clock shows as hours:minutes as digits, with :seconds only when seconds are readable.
12:52:47
